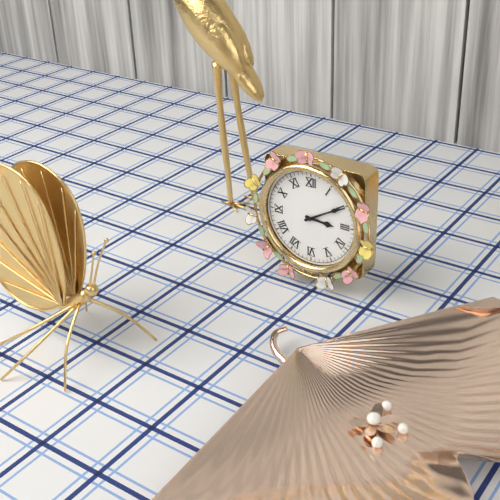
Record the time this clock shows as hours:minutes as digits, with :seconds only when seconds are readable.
3:10
